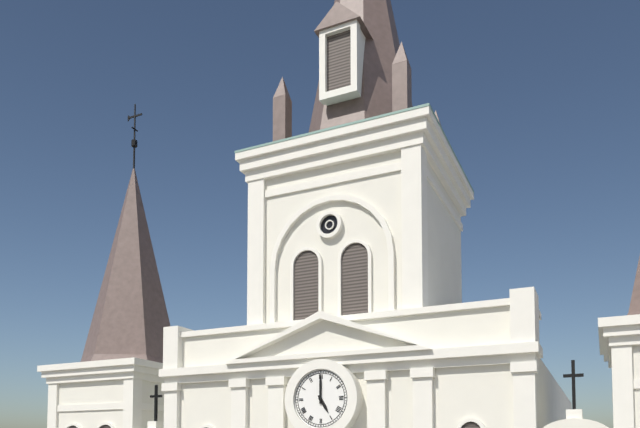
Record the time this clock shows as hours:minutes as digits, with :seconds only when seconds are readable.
5:00
